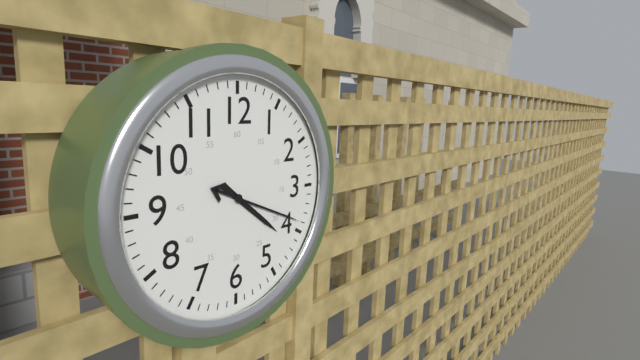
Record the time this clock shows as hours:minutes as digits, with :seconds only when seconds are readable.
4:19
